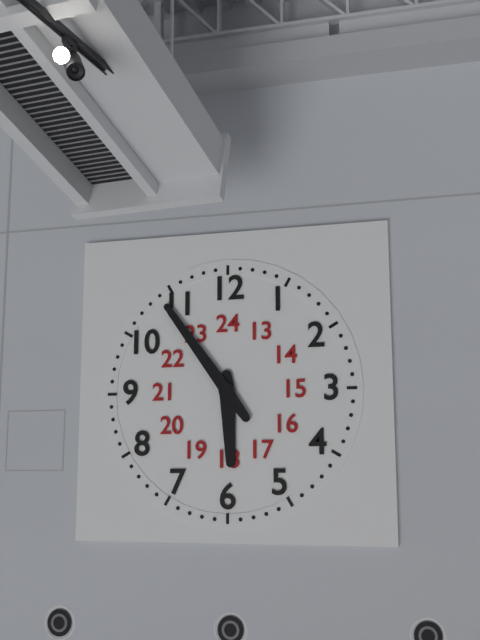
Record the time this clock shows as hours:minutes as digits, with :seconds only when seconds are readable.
5:54
